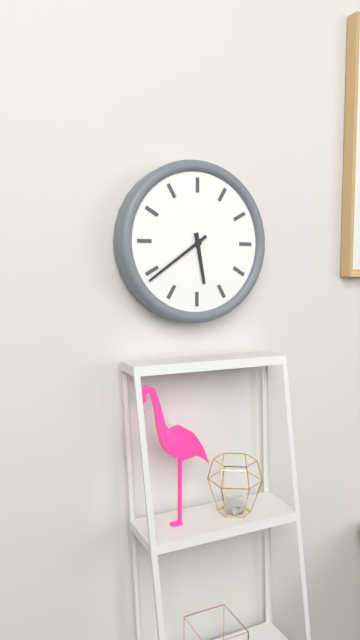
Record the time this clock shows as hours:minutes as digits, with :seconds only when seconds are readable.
5:39
